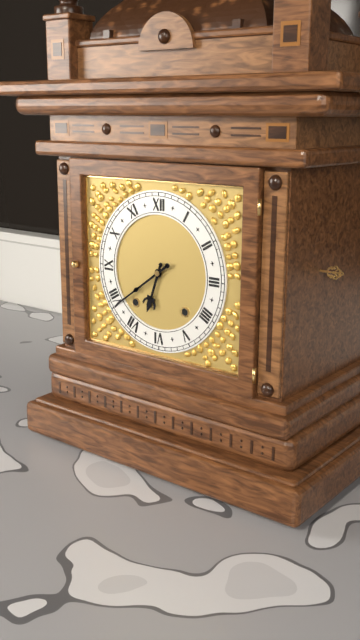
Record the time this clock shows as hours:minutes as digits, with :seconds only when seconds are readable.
6:39
